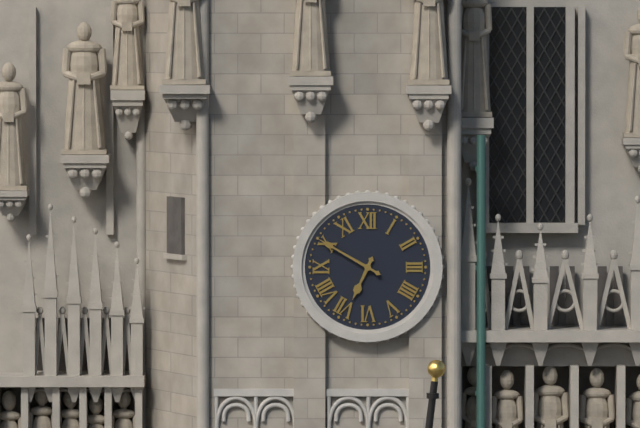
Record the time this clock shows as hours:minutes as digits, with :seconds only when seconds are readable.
6:50
